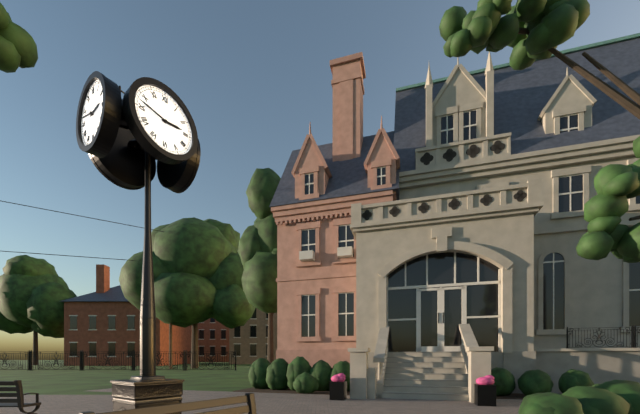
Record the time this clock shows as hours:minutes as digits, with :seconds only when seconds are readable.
2:47
